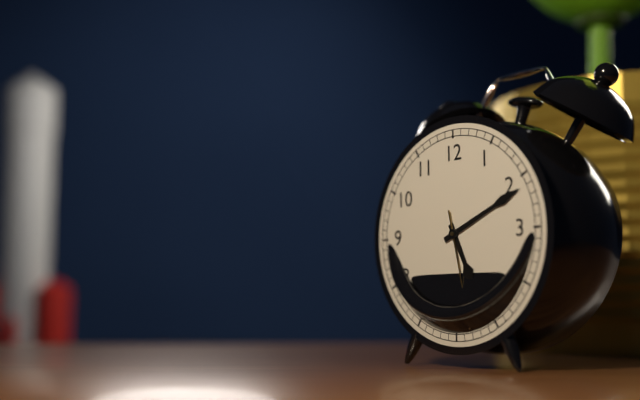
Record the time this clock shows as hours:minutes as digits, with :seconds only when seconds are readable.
5:11:28
